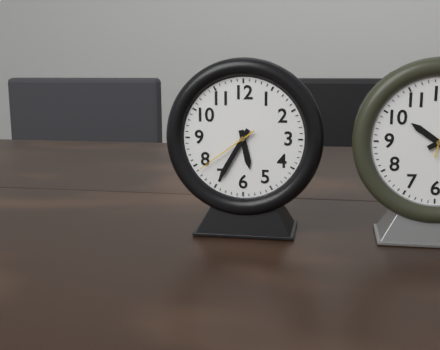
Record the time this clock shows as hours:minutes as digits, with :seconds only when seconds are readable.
5:35:39
